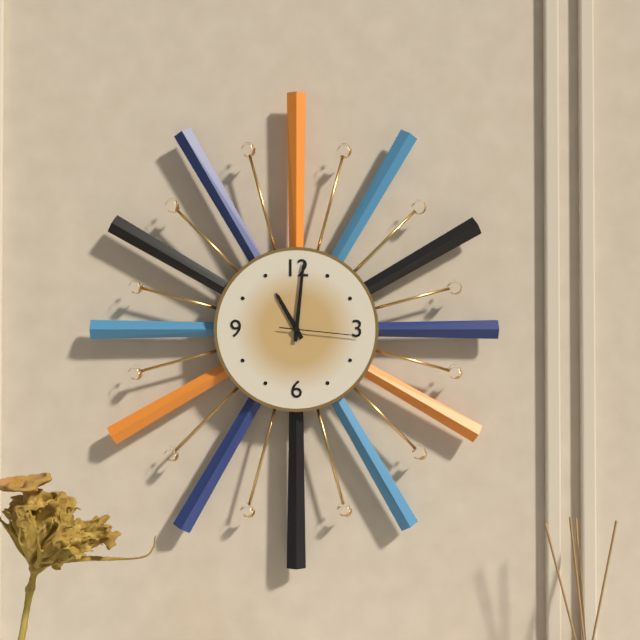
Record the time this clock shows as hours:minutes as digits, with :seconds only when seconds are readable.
11:01:16
